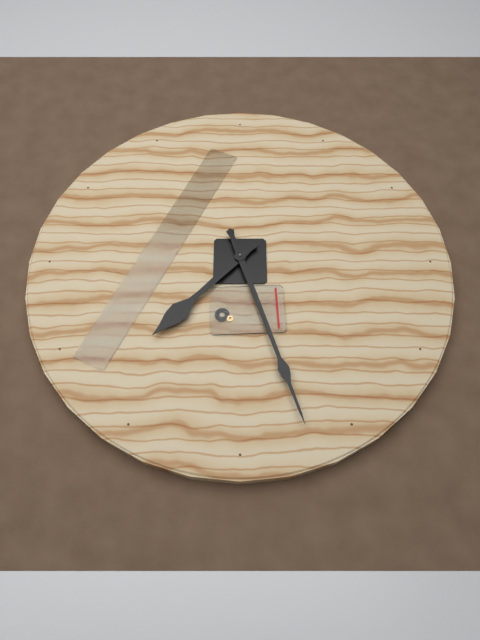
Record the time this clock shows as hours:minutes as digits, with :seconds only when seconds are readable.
7:27
